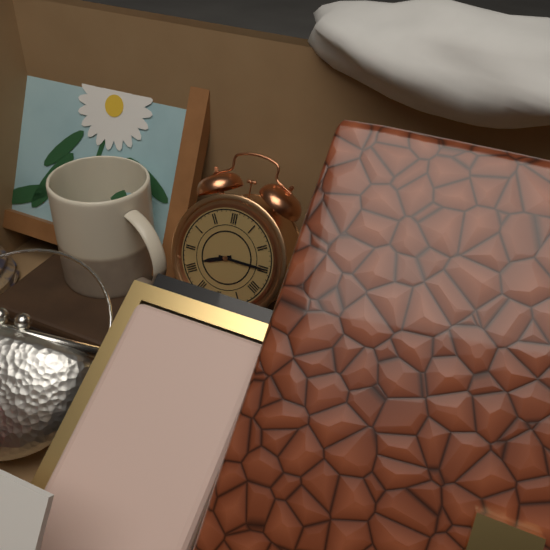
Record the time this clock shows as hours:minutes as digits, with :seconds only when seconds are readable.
8:15
